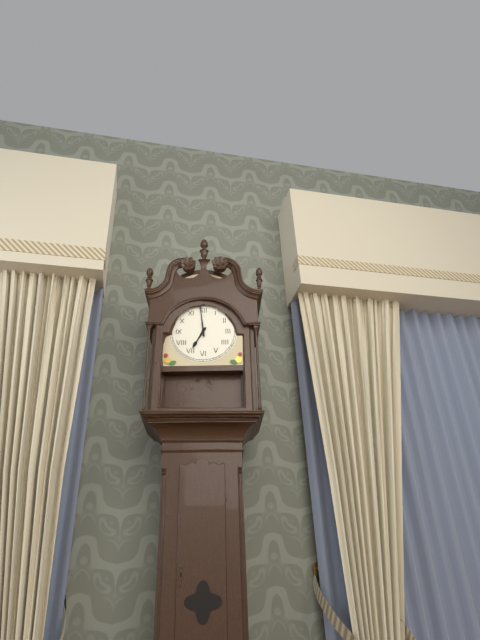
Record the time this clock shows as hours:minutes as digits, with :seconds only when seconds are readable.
6:59
